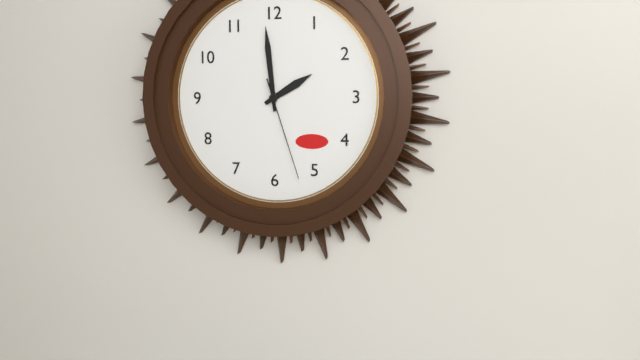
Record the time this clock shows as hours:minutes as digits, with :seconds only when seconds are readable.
1:59:27
